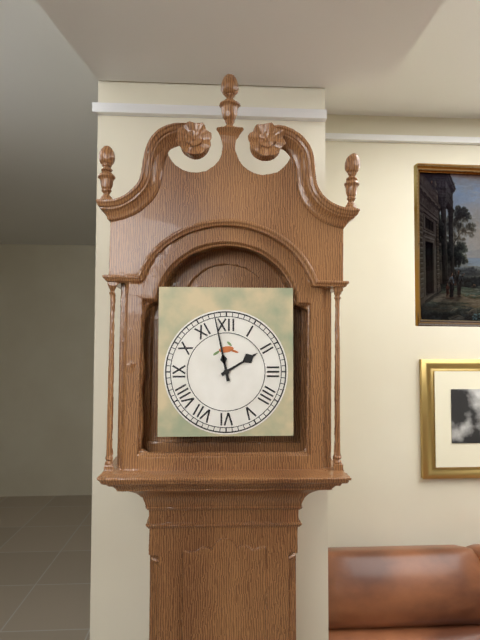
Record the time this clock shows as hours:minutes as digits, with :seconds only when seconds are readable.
1:58
